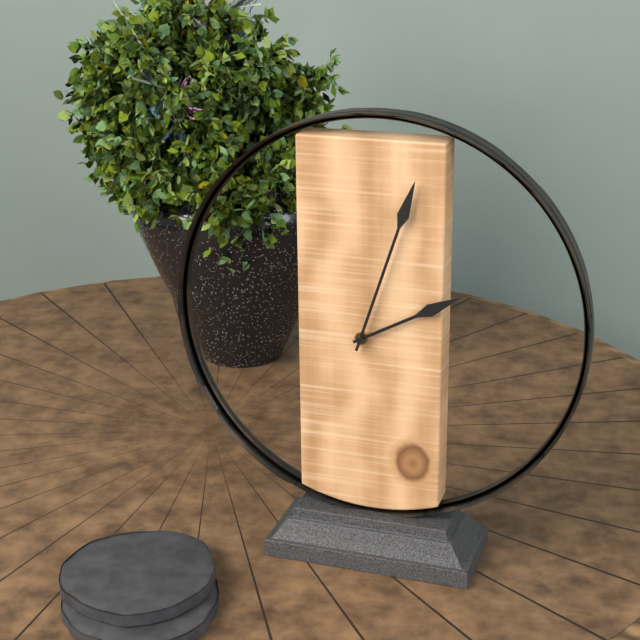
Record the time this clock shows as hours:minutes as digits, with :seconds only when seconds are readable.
2:03
